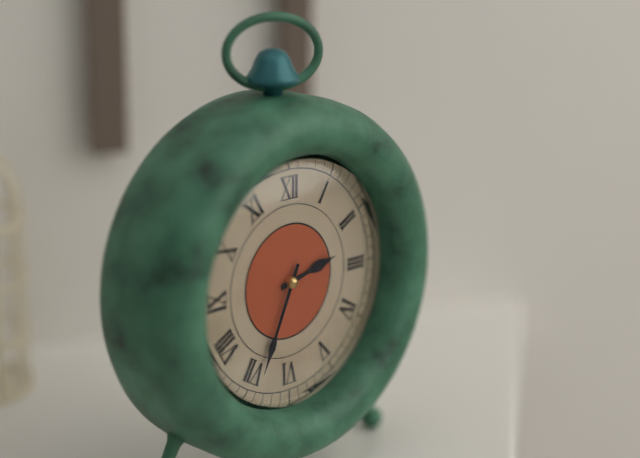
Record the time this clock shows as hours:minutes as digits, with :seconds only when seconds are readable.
2:34
